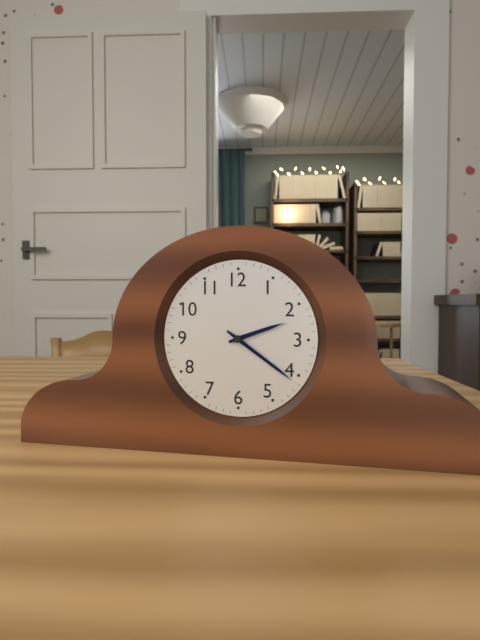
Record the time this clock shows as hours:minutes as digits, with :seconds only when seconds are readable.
2:21
